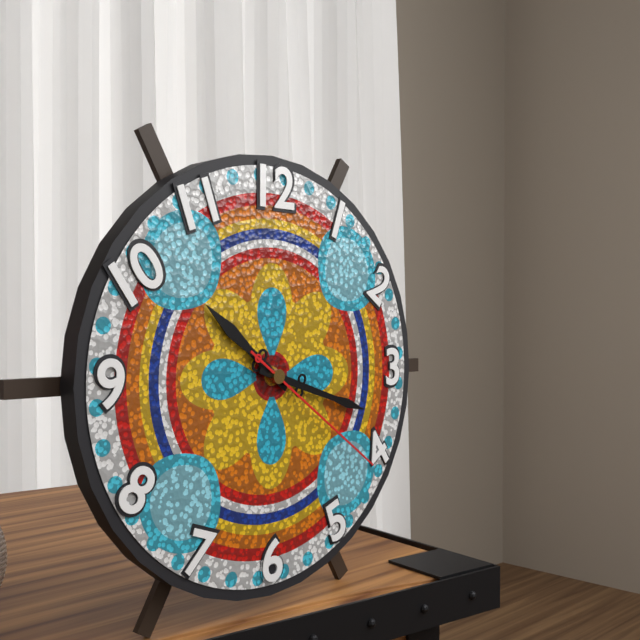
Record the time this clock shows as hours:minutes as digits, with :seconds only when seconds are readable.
10:18:21
